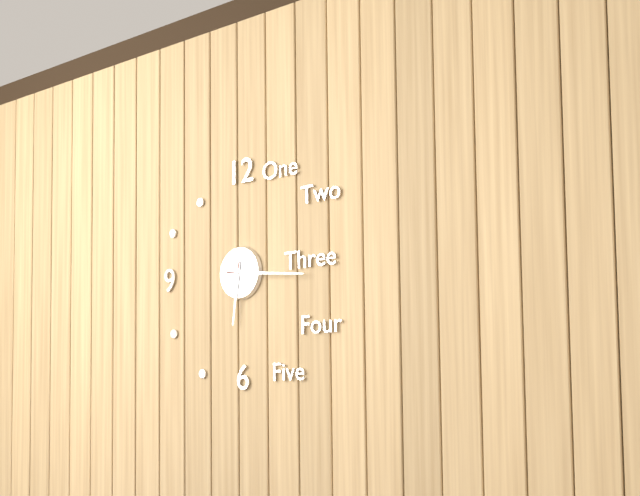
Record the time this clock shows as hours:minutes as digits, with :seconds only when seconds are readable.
6:16
